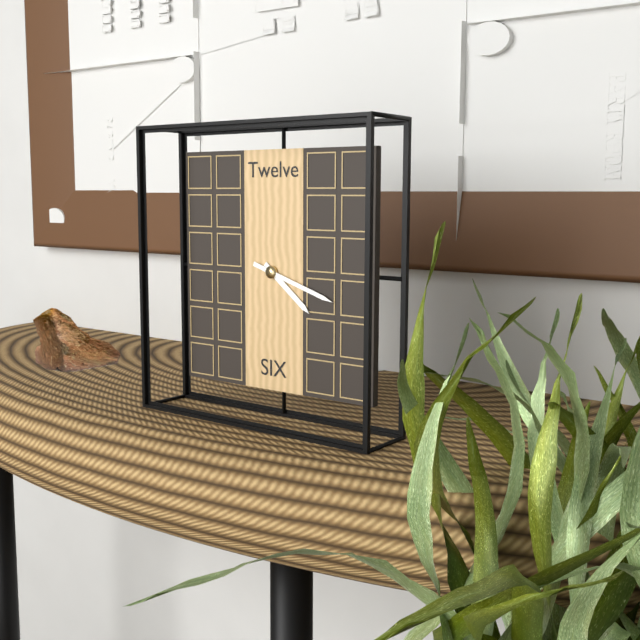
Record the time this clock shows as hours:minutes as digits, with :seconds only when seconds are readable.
4:18
